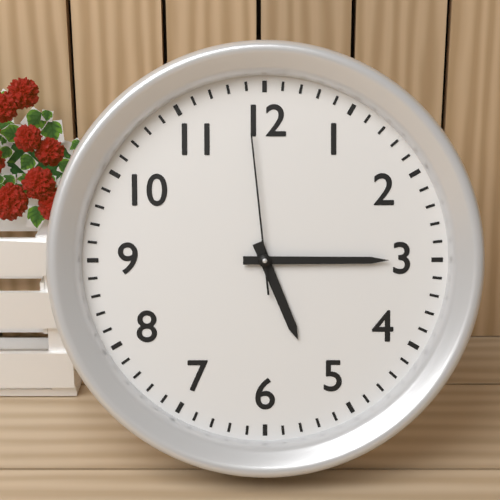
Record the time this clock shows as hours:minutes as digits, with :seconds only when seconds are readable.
5:15:59
